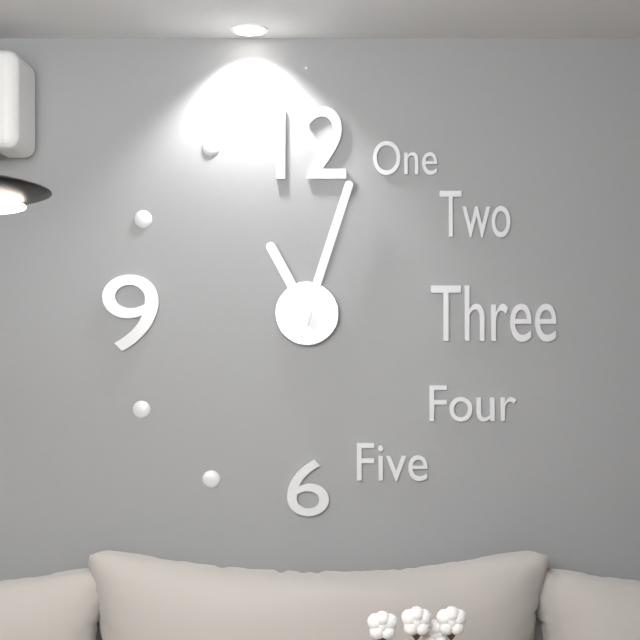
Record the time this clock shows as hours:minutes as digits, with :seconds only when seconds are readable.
11:03
